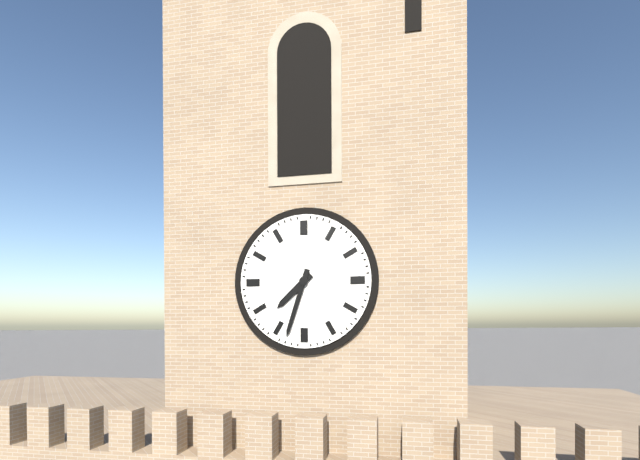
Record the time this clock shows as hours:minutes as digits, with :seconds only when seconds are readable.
7:33
